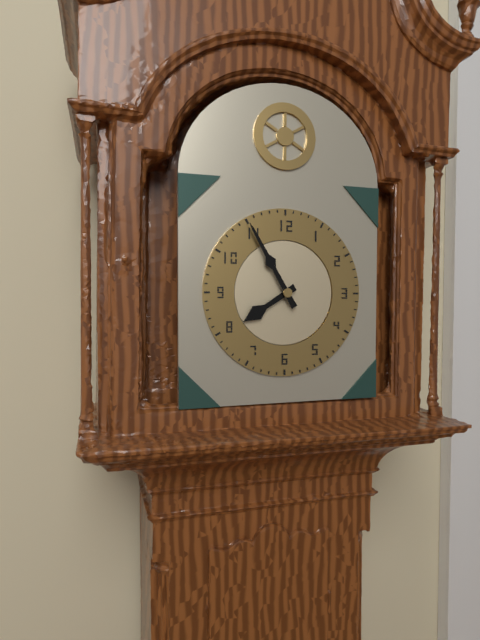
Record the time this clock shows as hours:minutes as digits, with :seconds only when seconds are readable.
7:55
